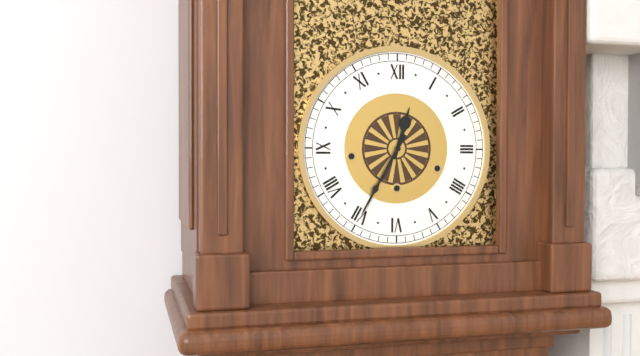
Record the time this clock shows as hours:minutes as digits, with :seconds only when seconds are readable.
12:35
